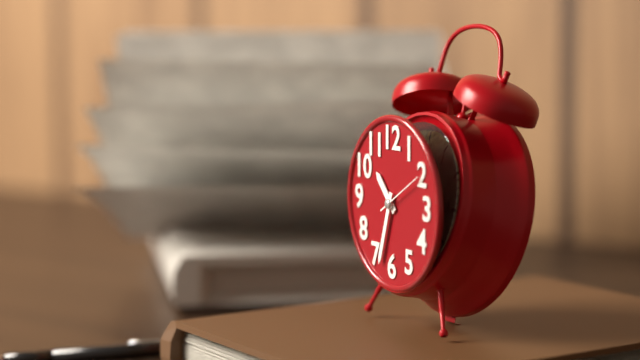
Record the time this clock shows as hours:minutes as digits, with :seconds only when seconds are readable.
10:33
